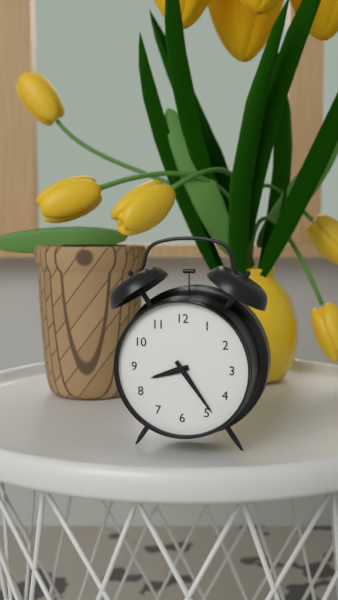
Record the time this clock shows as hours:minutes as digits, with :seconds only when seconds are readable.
8:24
